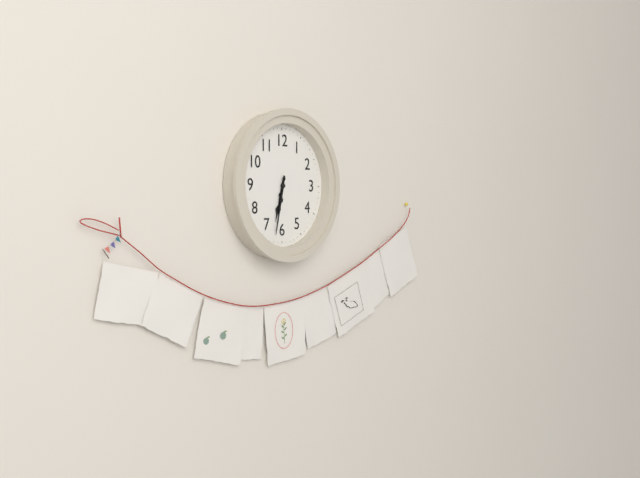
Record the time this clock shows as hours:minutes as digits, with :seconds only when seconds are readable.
6:32
